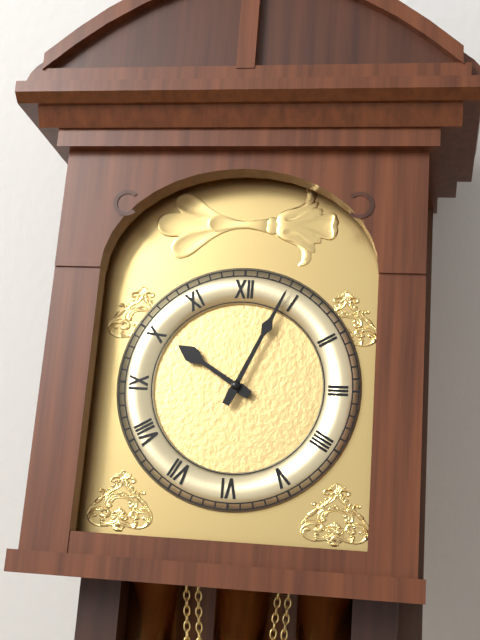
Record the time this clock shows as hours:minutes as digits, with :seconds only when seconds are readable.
10:04
